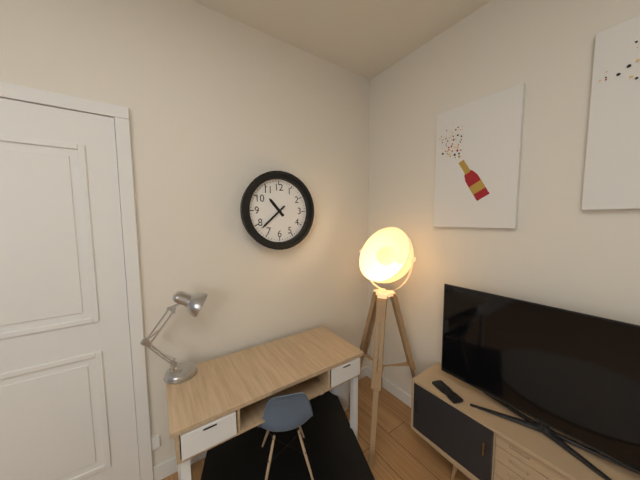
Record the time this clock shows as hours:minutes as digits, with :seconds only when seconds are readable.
10:38
